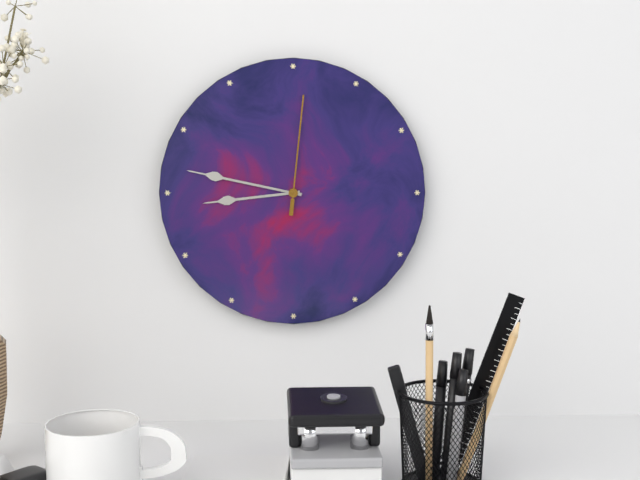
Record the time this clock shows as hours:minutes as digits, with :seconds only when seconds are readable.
8:47:01
